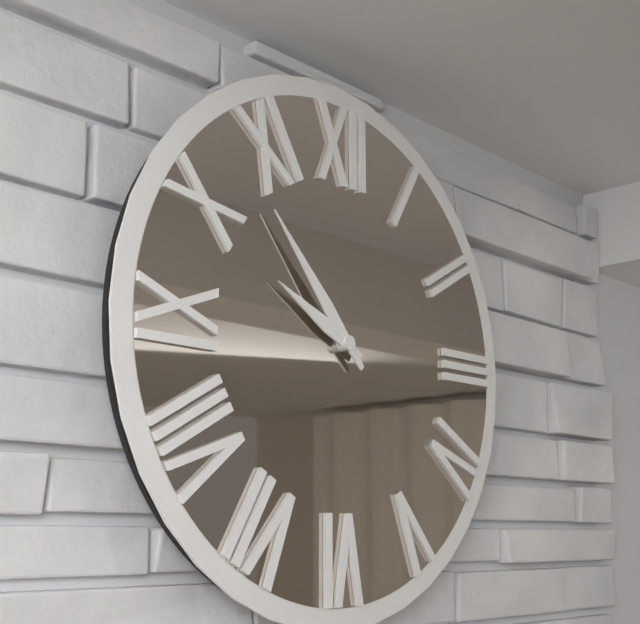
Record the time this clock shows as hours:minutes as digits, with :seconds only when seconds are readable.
9:53
